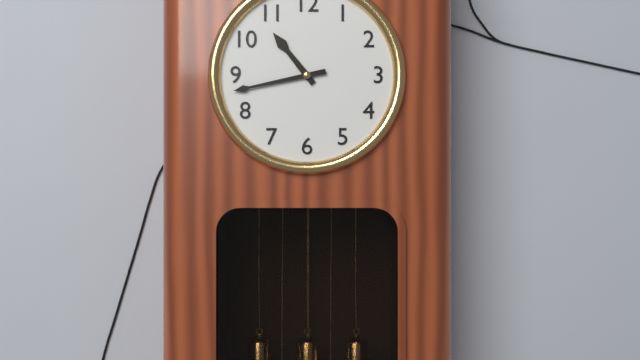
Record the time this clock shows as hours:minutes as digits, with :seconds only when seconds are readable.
10:43
